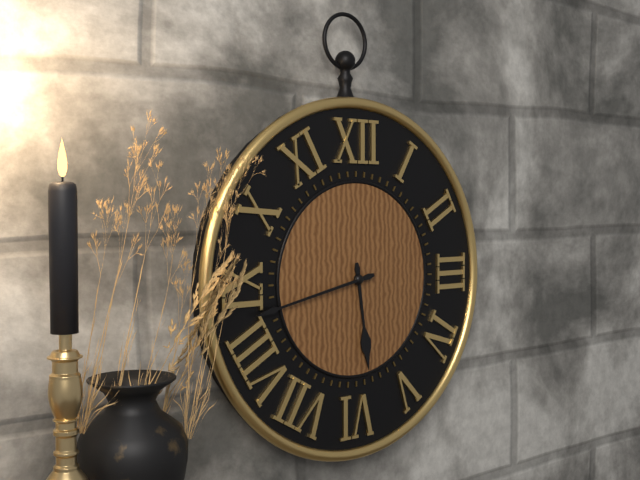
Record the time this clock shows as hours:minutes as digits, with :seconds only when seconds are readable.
5:43
